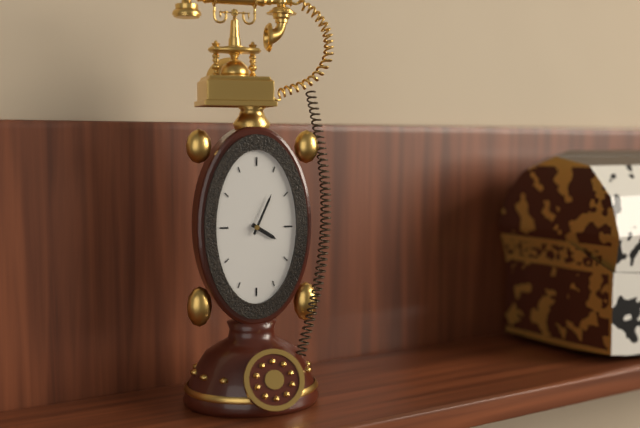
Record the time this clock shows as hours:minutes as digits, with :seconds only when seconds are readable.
4:04
